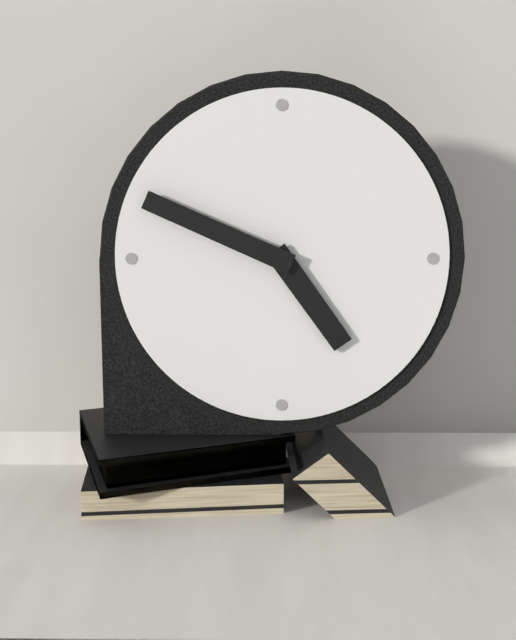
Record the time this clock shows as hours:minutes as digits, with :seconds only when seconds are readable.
4:49
